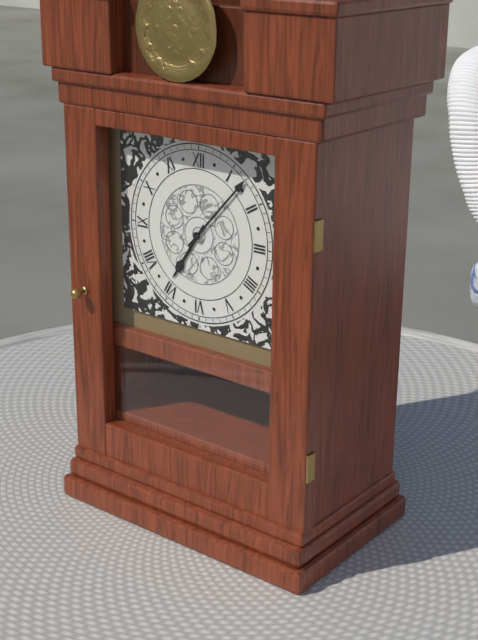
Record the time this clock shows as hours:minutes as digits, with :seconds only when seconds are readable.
7:07
